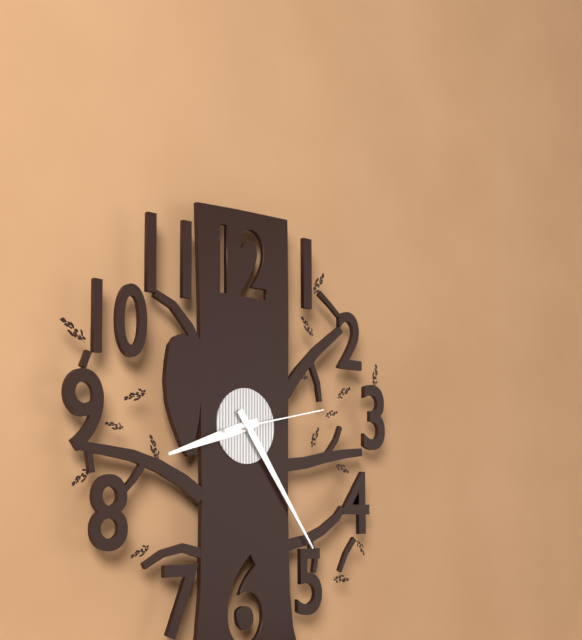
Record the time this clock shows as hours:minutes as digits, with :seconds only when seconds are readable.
8:24:13
